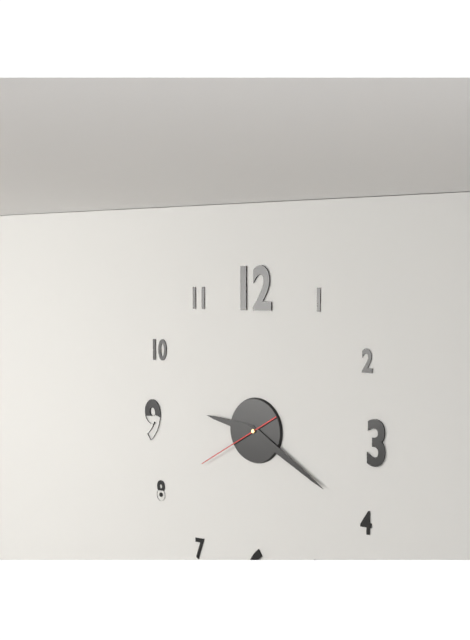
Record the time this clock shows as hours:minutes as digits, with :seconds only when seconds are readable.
9:20:40
